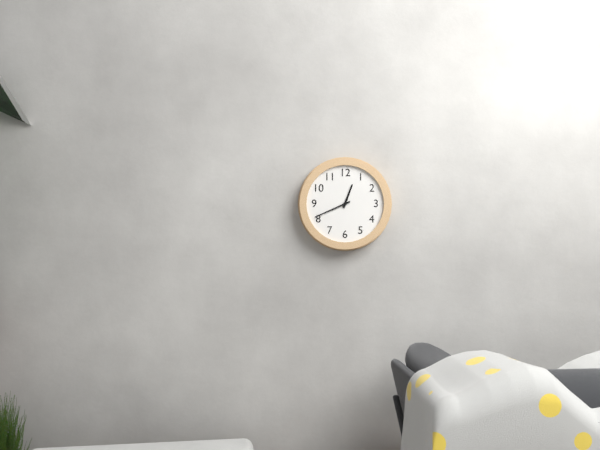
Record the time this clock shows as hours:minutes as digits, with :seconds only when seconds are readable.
12:41
